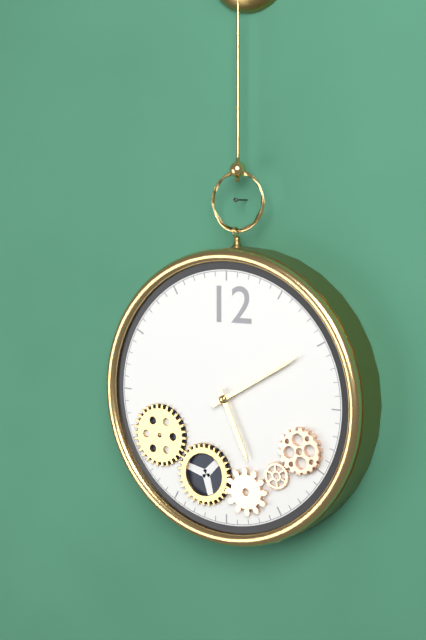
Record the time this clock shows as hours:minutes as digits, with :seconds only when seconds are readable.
5:10
